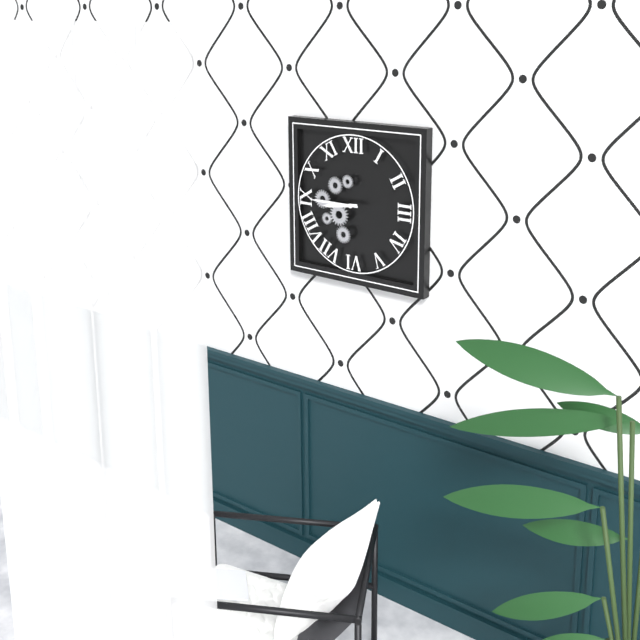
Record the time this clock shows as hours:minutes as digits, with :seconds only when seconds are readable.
8:45
